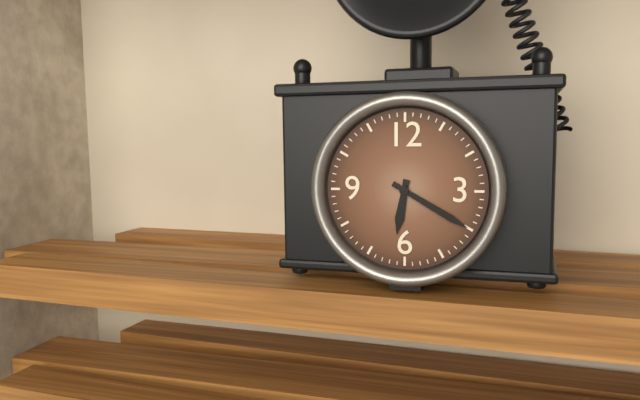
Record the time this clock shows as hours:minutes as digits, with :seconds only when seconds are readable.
6:20
